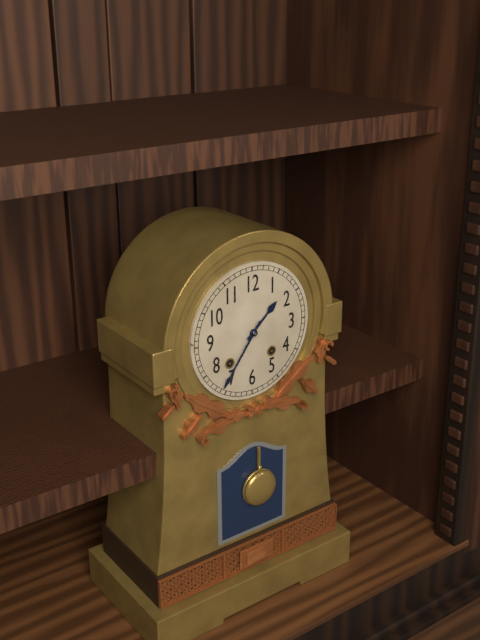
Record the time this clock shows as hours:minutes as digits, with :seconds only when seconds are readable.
1:36
